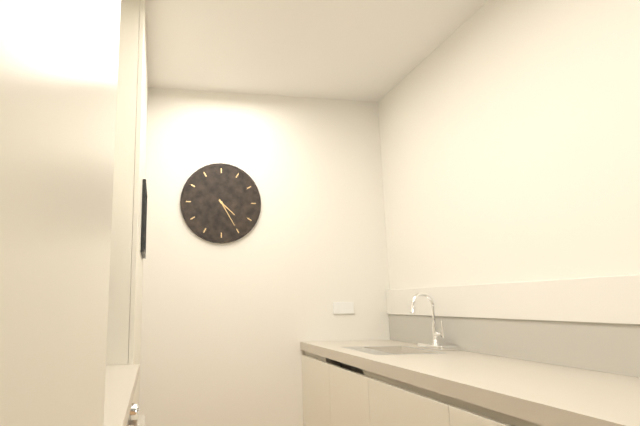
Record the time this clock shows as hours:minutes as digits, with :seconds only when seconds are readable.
4:25
